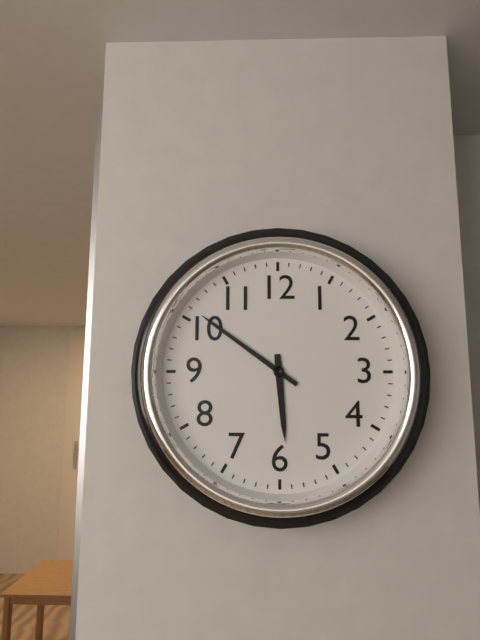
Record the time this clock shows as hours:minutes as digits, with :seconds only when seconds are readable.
5:51
